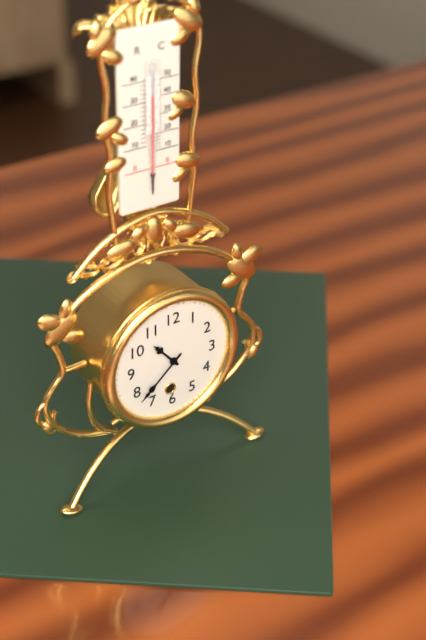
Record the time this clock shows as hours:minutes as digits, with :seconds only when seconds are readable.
10:38
